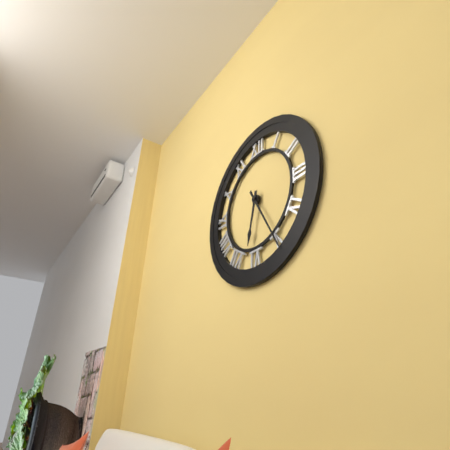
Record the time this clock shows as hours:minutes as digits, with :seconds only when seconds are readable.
6:25
